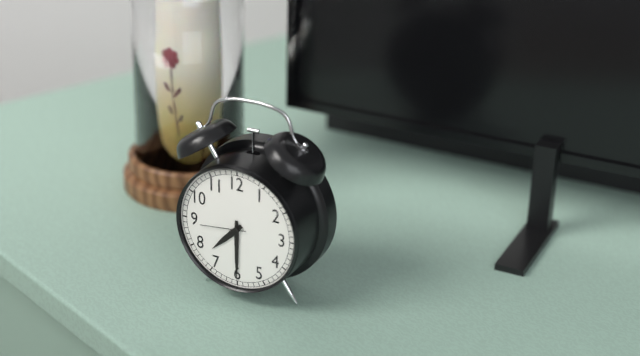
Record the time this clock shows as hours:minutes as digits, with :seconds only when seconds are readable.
7:30:44
